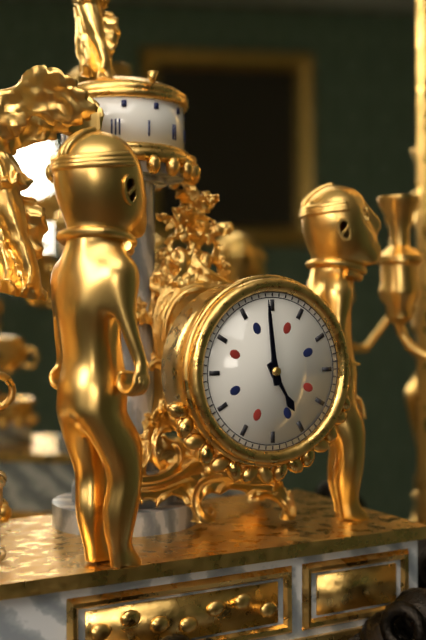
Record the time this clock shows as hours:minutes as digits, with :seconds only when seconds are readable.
4:59
